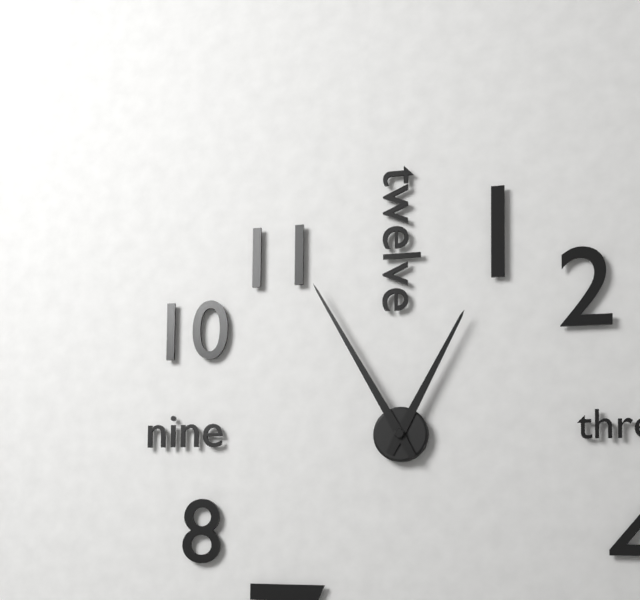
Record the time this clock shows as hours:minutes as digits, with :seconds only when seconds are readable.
12:55
